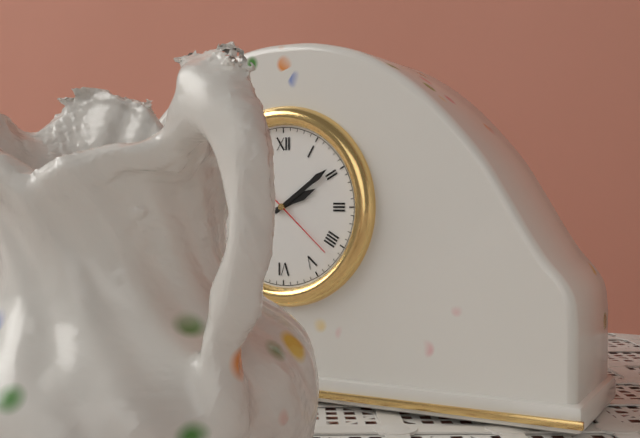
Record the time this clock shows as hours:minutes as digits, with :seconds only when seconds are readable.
2:09:22
